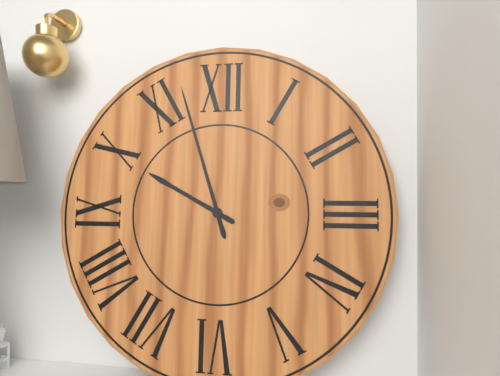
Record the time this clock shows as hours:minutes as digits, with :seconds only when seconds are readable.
9:57
